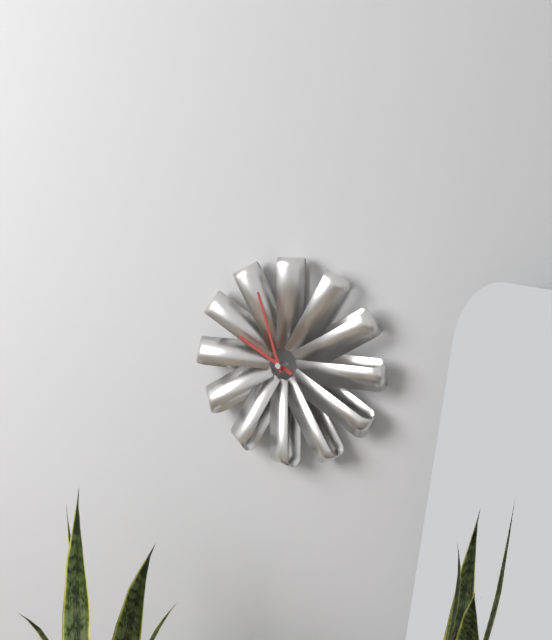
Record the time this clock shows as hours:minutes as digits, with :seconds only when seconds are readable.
9:57
